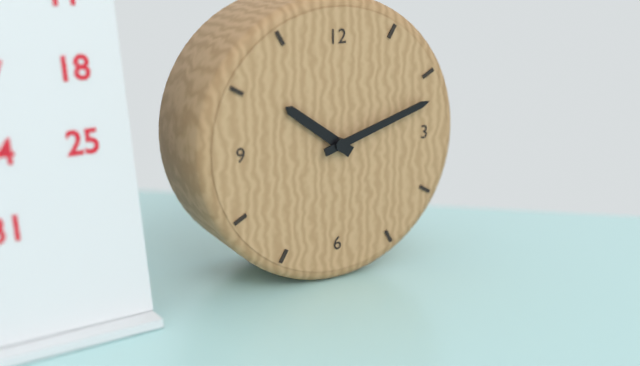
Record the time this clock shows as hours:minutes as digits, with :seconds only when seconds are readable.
10:12
